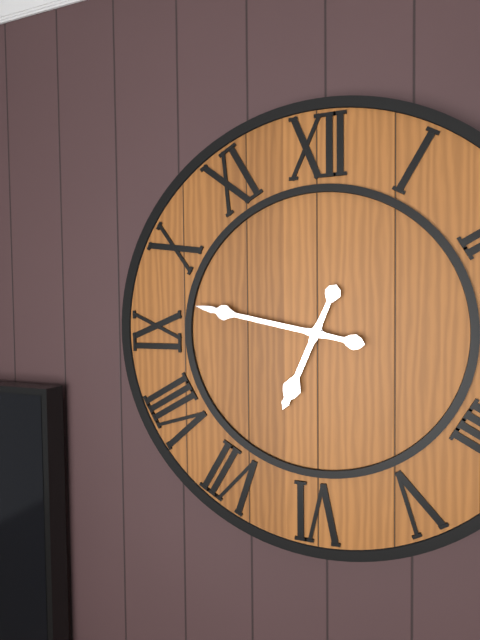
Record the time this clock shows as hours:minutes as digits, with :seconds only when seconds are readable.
6:47
